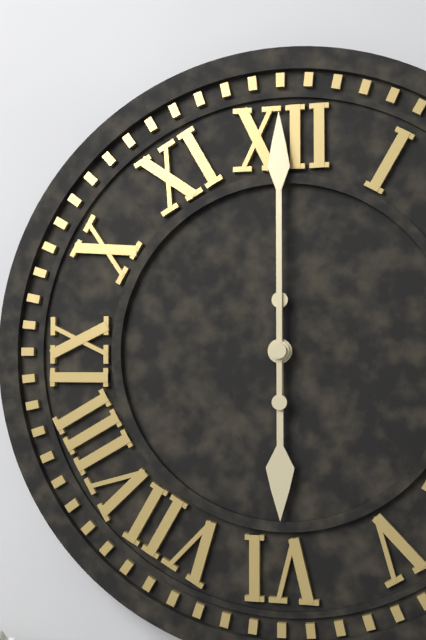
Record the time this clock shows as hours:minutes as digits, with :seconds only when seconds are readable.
6:00
